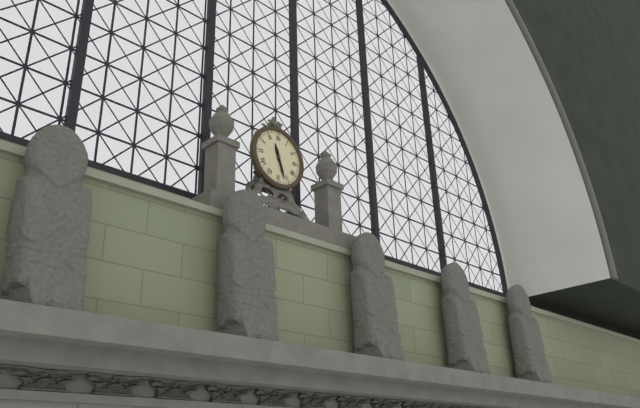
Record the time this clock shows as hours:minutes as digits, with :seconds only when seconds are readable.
11:27
